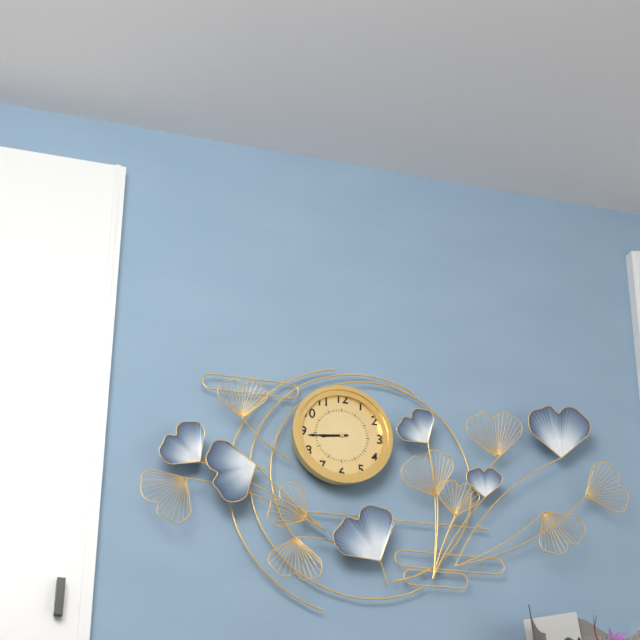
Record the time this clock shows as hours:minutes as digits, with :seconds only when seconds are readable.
8:44
